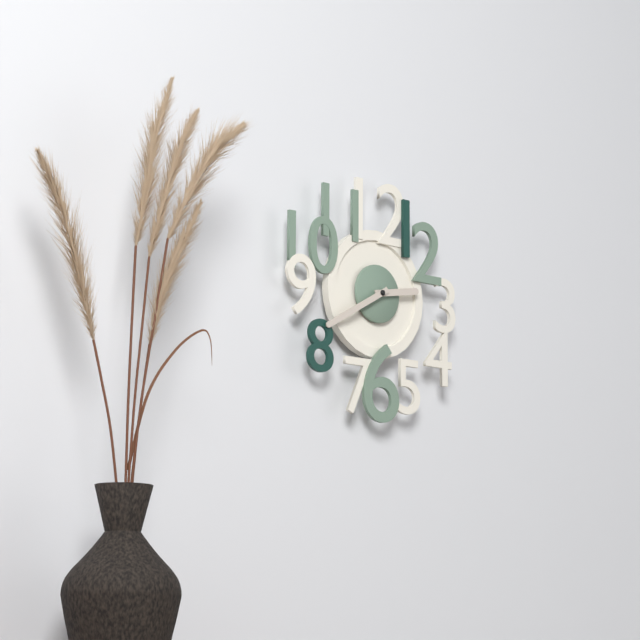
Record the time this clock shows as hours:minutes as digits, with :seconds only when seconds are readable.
2:40
